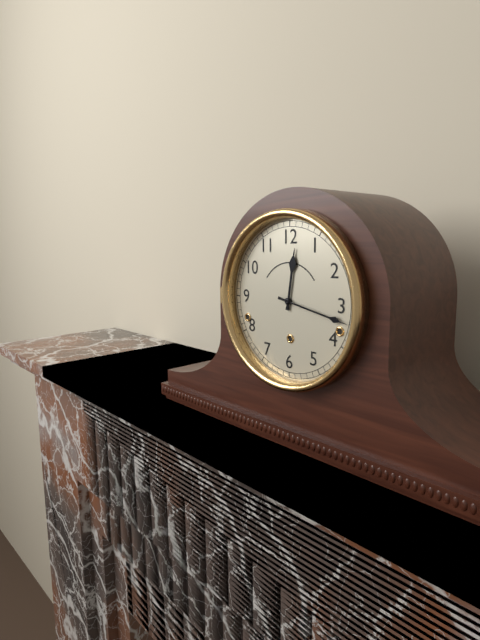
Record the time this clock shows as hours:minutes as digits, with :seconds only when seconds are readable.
12:17
